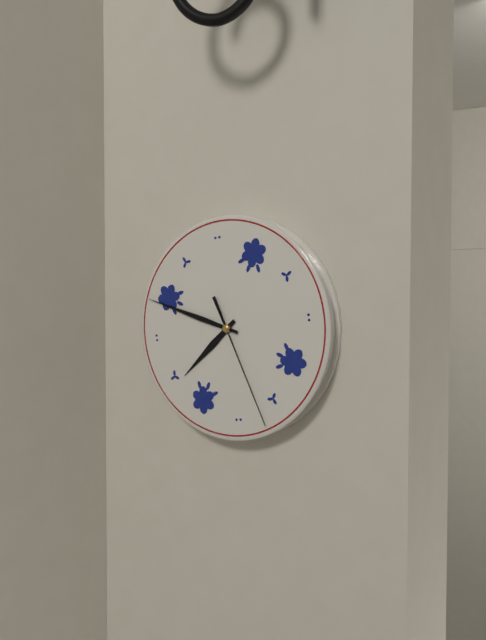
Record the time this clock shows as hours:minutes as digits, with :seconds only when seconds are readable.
7:49:27
